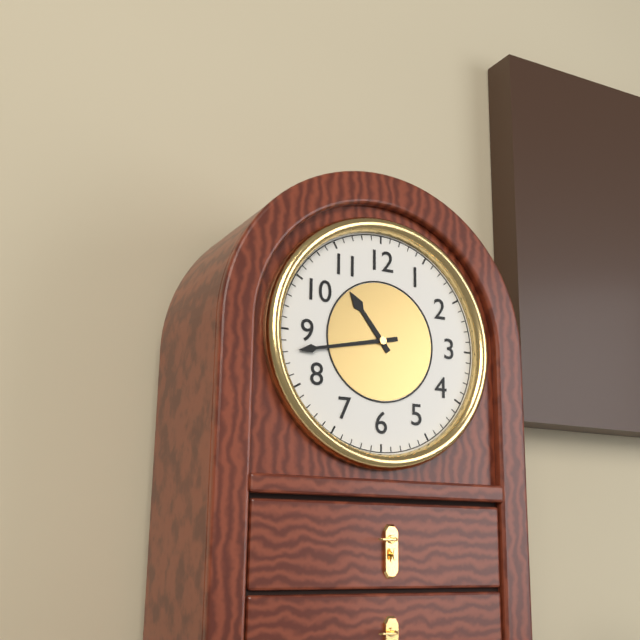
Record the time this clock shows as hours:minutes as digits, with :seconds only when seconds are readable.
10:43
